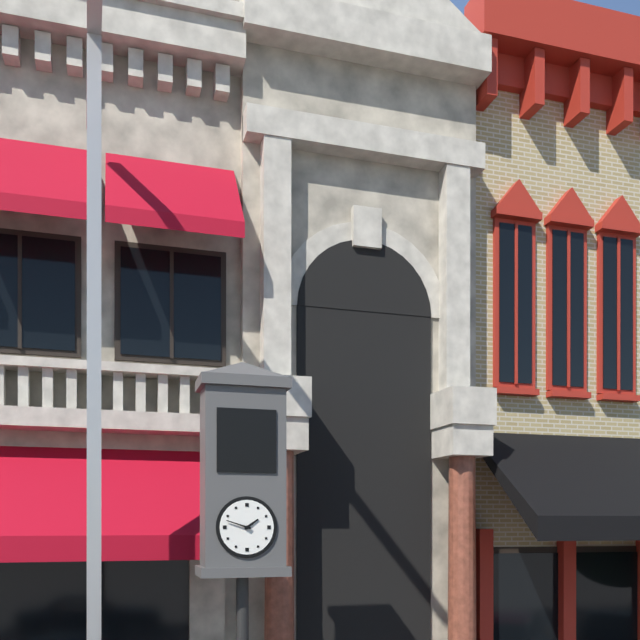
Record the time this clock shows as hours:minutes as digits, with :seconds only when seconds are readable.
1:48
